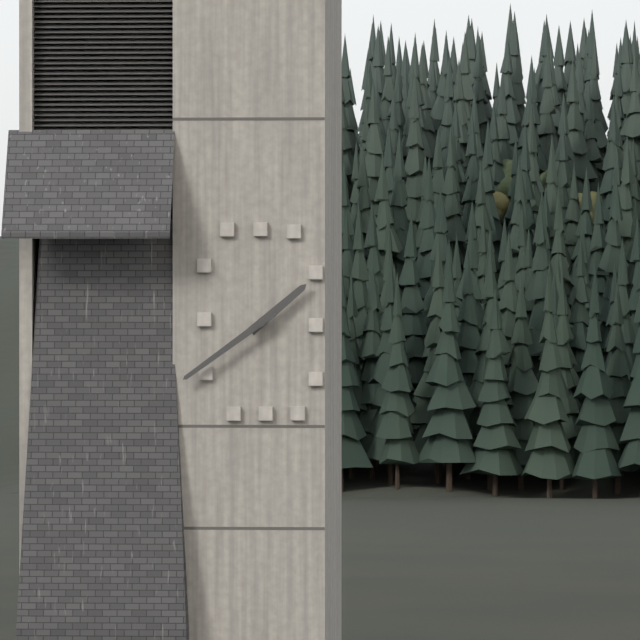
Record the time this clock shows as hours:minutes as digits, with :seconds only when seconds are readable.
1:39
